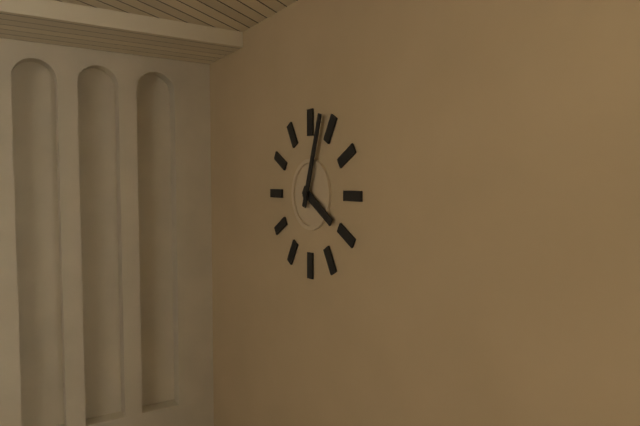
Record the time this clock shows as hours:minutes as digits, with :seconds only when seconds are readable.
4:03
